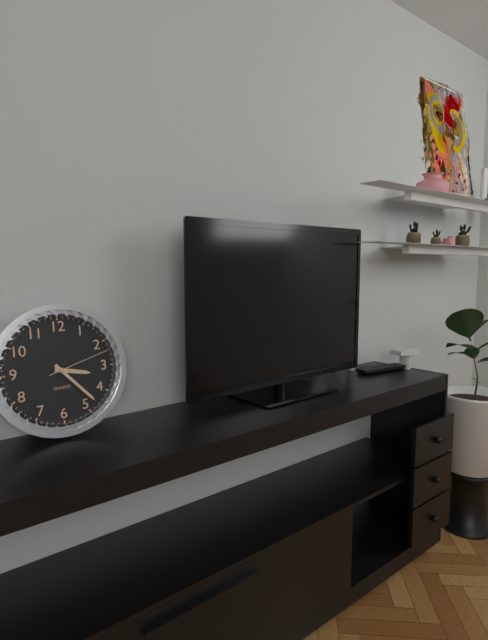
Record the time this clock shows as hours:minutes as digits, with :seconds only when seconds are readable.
3:23:12
